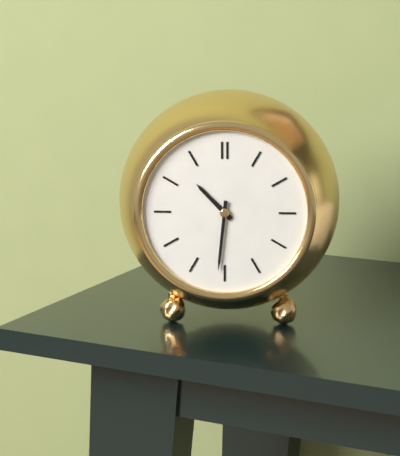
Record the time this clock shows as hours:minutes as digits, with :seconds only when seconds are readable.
10:31
